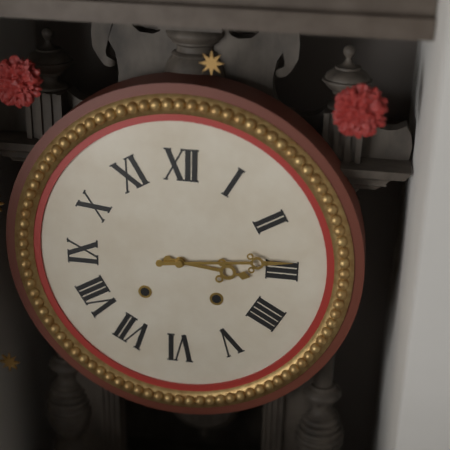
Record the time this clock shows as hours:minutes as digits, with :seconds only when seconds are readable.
3:14
